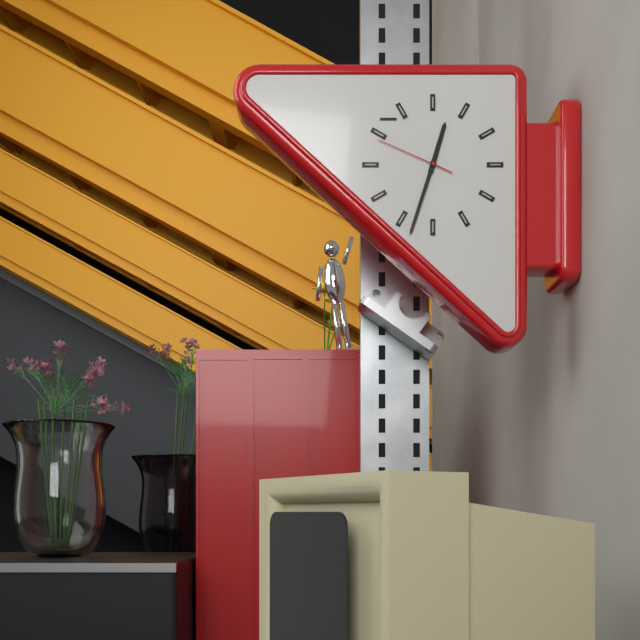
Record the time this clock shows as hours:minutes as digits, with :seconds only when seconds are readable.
12:33:49
